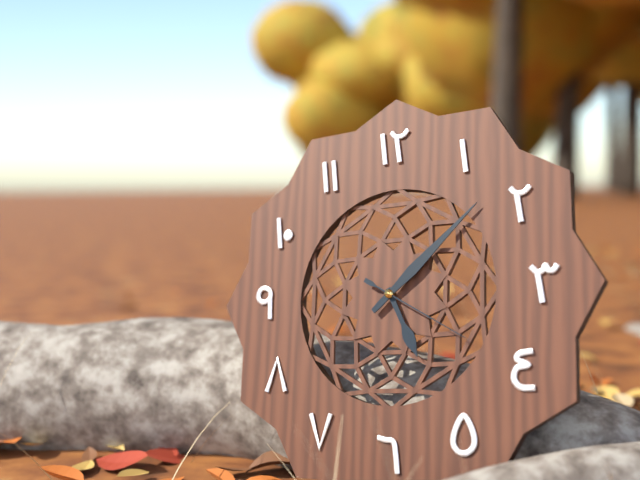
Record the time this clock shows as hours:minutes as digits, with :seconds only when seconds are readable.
5:08:20
